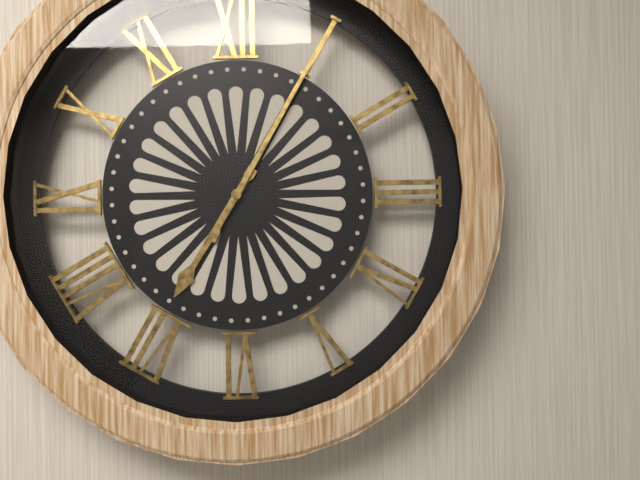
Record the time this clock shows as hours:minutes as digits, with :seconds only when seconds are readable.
7:05
